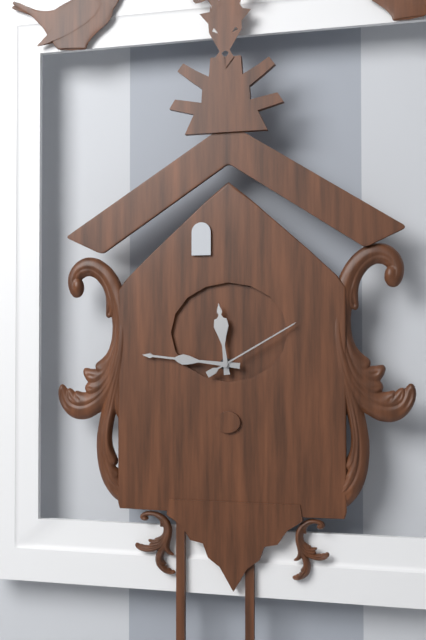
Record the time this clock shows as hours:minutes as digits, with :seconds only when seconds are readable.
11:46:10
